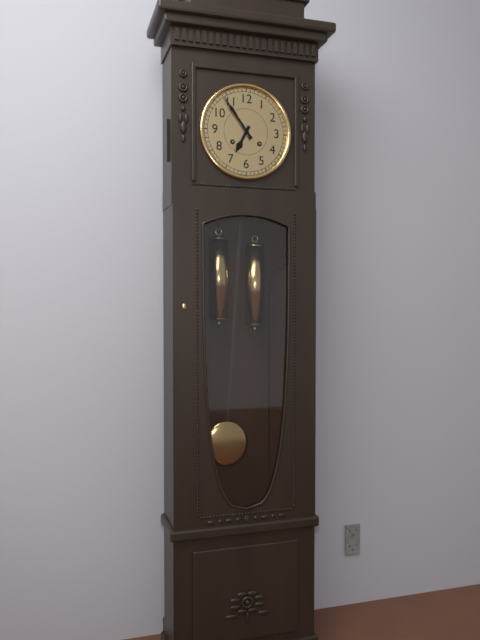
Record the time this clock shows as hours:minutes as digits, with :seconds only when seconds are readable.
6:54
